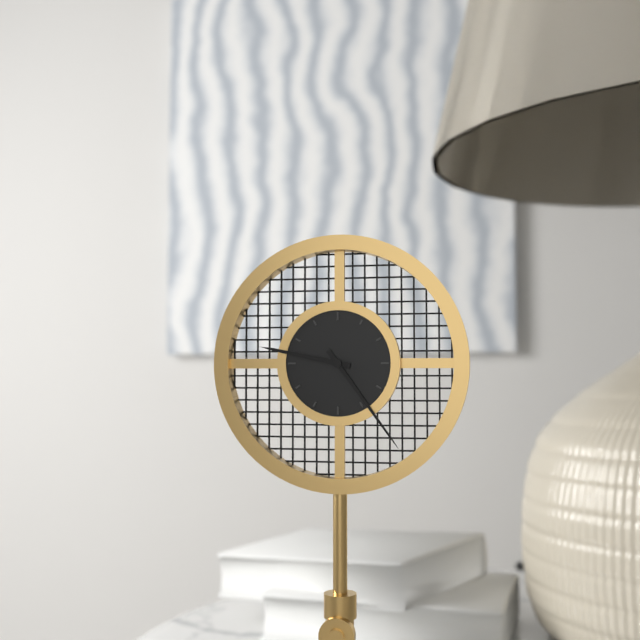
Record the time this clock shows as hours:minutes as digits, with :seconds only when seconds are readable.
9:24
